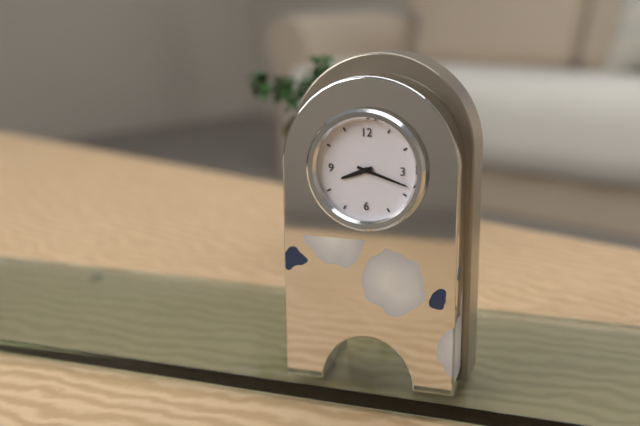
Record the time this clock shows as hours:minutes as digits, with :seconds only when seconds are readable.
8:18
